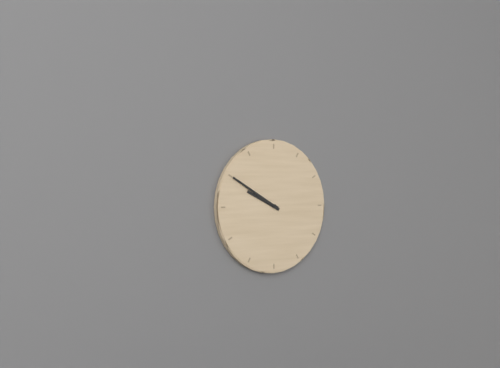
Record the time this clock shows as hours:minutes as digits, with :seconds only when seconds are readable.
9:50
